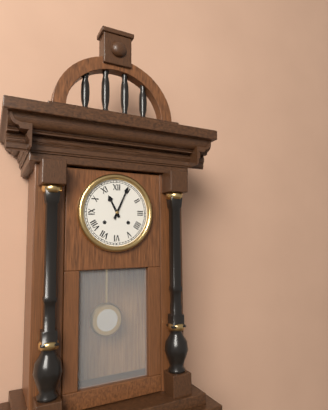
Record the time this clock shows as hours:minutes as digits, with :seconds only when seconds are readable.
11:04
